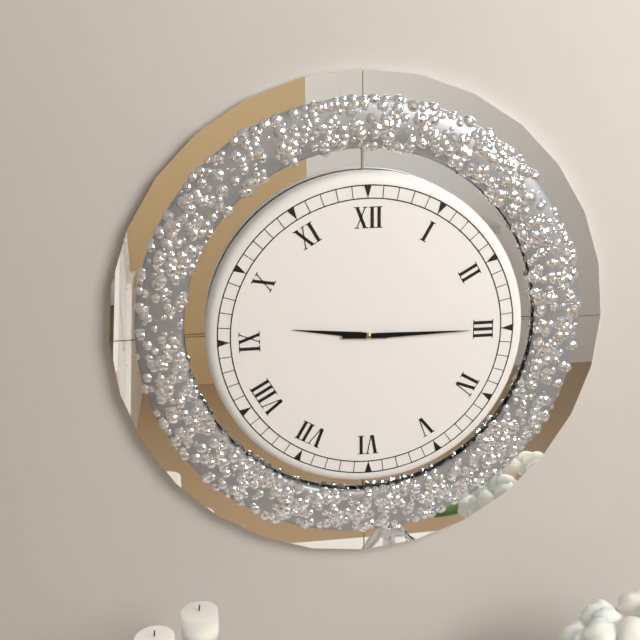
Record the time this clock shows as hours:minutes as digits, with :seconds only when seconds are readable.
9:15
